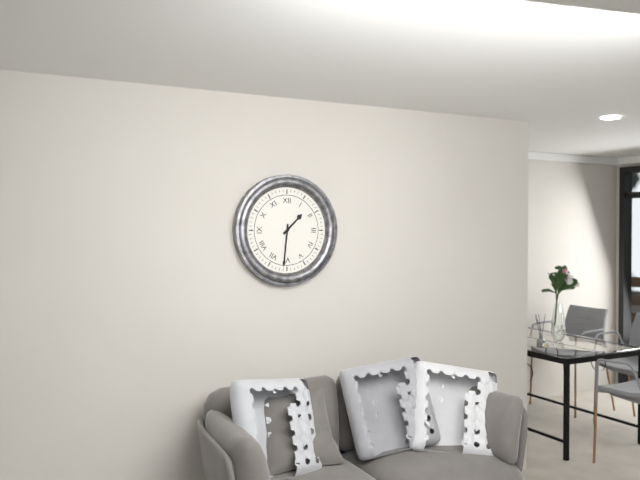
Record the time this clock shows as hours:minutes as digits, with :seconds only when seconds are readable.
1:31
